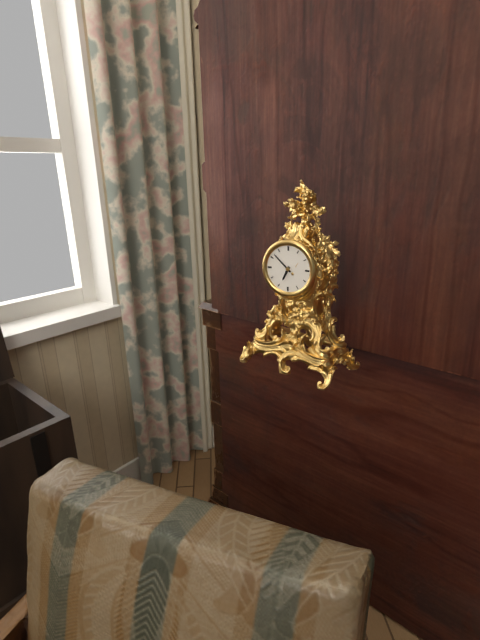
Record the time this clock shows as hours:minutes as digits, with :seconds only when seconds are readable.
6:52
